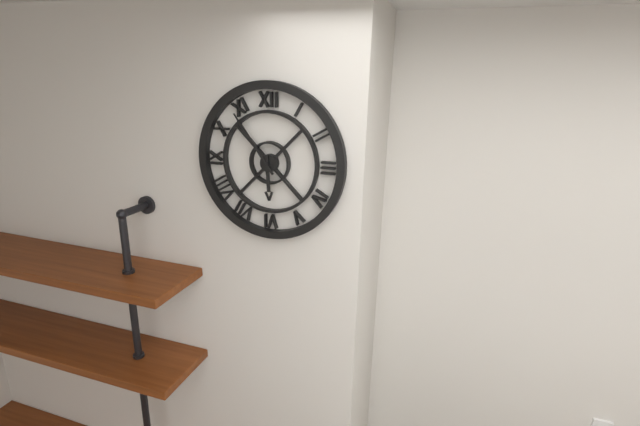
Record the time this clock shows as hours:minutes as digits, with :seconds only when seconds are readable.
5:54
